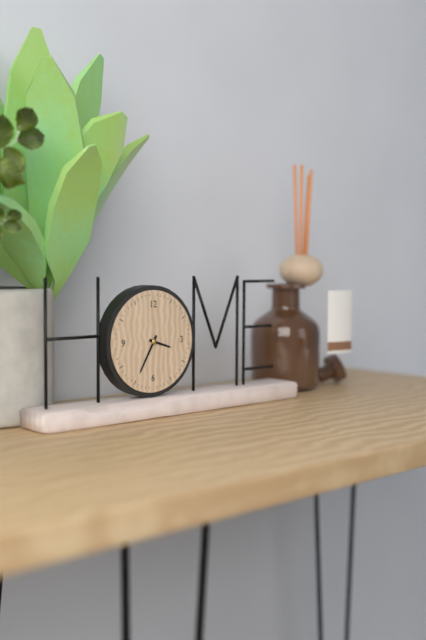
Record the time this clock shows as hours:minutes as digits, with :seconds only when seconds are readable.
3:35
